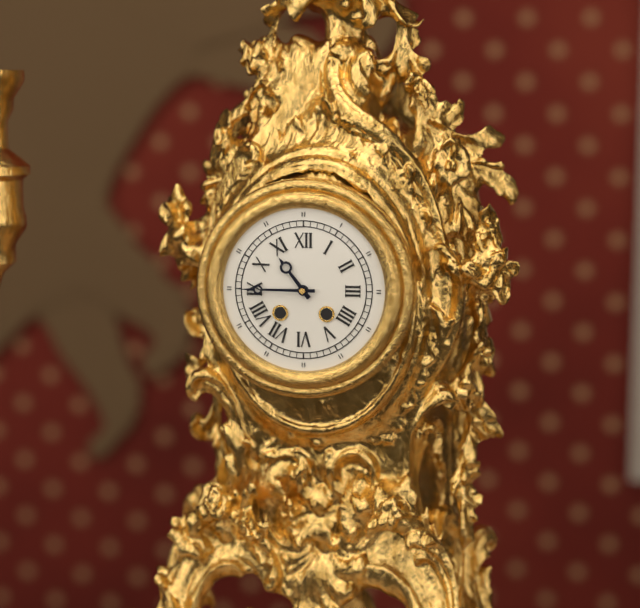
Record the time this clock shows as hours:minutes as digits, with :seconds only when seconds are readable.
10:45
